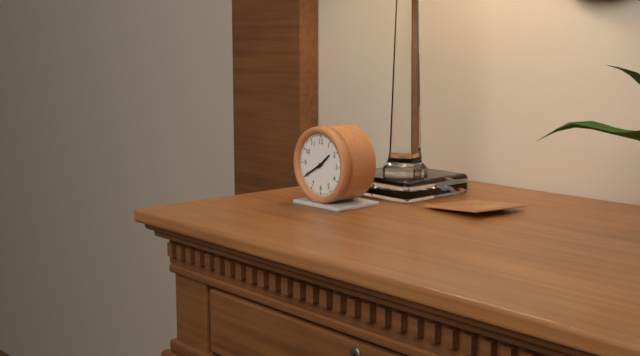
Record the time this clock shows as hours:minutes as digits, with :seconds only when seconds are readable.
1:40
